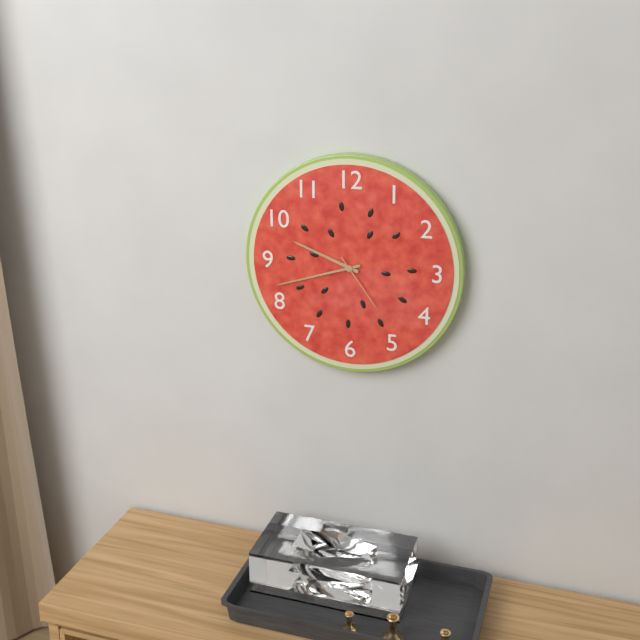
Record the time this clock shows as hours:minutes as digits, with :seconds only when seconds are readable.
9:42:24
